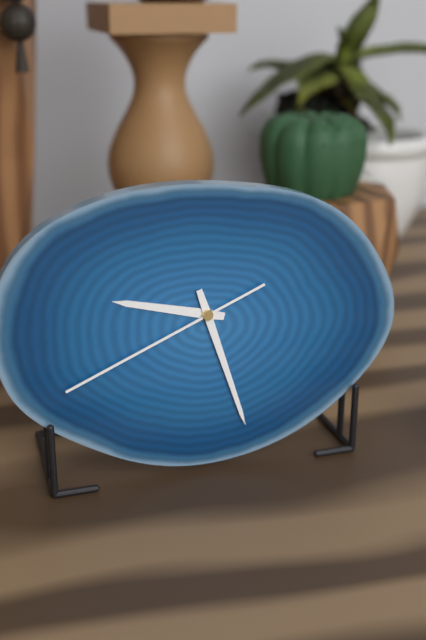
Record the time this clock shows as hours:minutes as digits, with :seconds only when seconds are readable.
9:27:41
